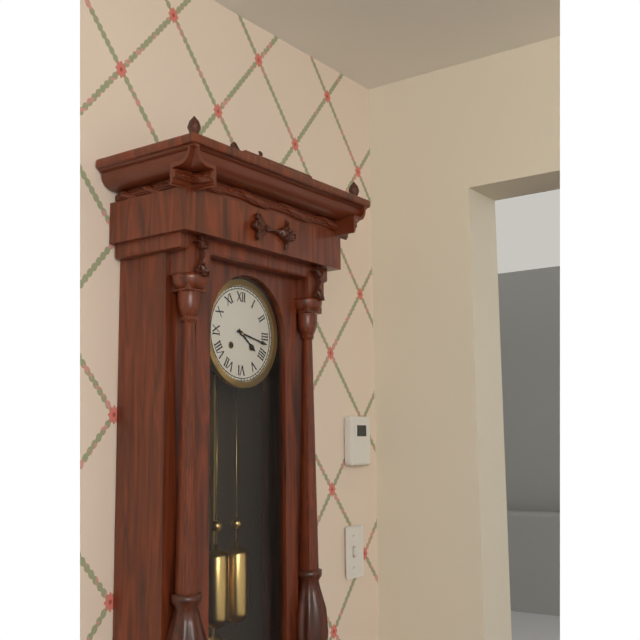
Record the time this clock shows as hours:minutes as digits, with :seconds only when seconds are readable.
4:17
